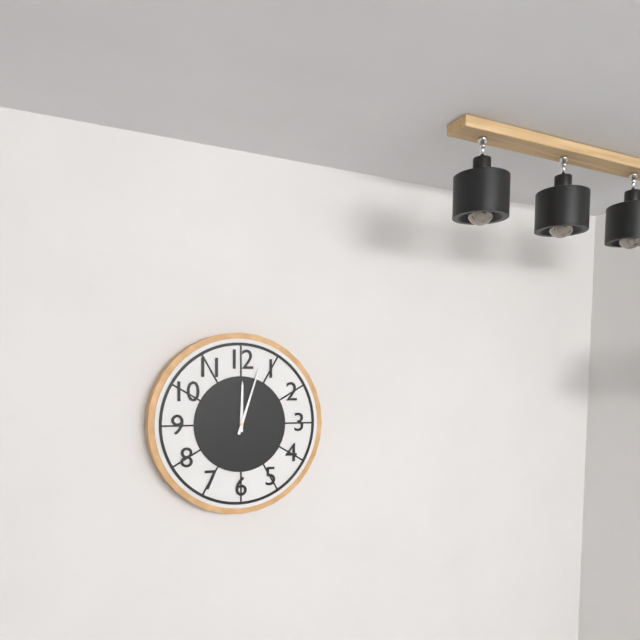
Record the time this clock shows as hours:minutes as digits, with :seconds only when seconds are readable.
12:03
